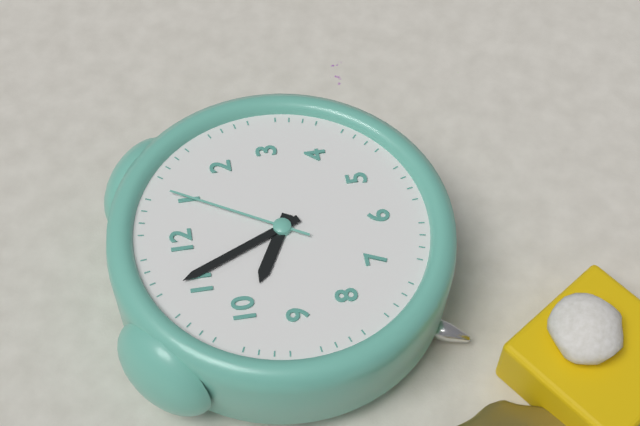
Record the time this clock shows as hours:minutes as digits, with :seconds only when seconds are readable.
9:56:05
